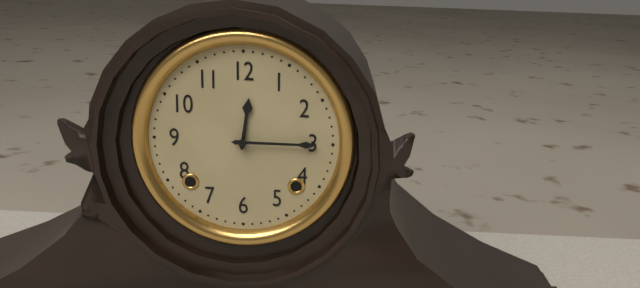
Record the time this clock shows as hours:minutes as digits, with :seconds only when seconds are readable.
12:15
